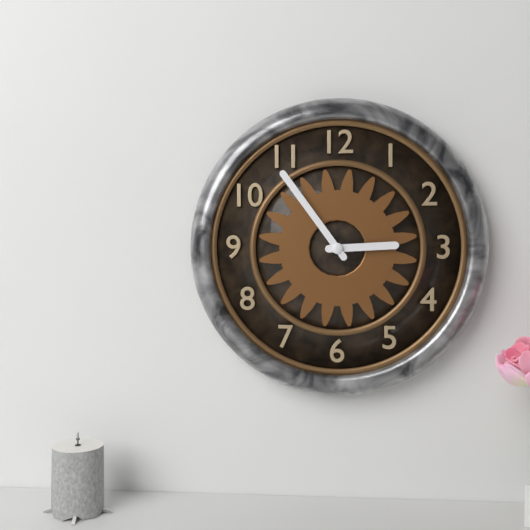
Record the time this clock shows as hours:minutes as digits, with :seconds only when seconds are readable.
2:54
